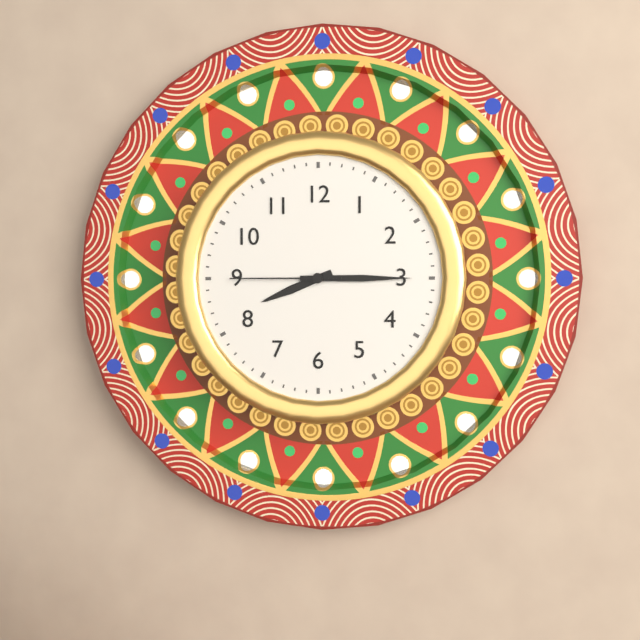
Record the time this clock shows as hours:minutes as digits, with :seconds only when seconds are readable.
8:15:45
